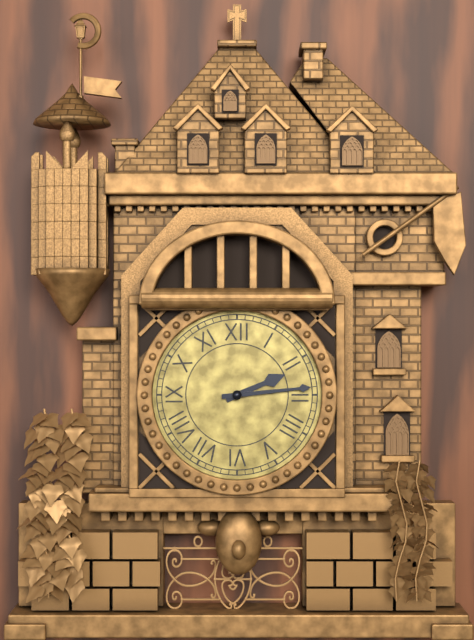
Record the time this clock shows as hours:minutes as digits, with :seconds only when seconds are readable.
2:14
